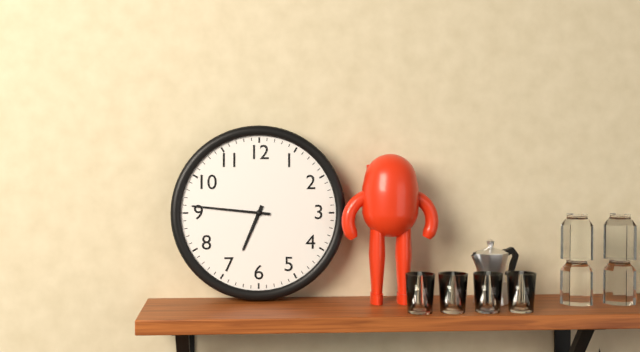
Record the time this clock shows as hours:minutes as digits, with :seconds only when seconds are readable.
6:46
